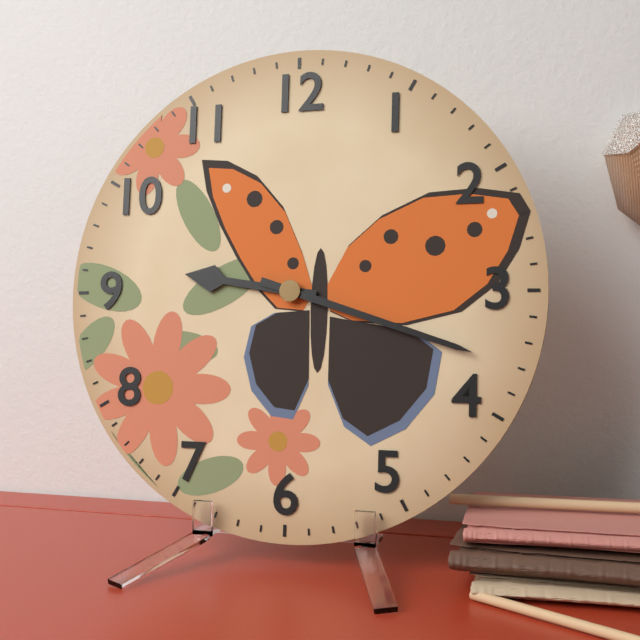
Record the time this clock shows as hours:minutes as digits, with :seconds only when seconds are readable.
9:18
